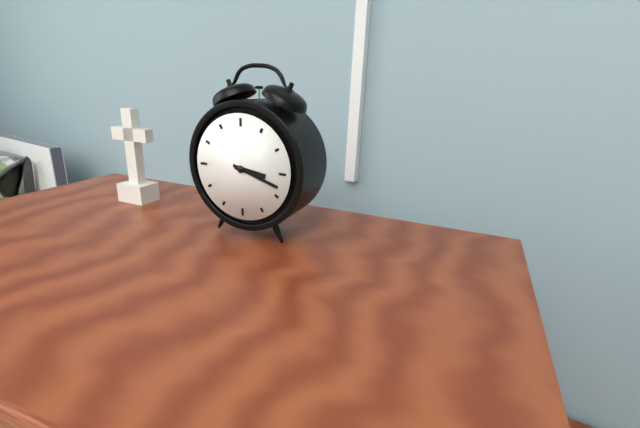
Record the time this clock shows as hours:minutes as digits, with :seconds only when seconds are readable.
3:18
